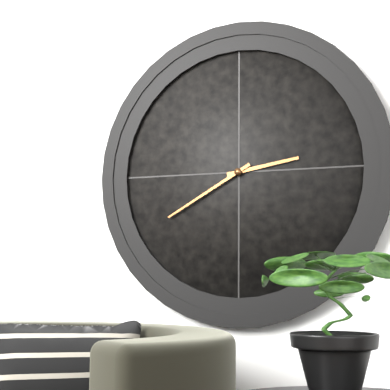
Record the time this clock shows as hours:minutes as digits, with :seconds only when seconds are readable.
2:40
